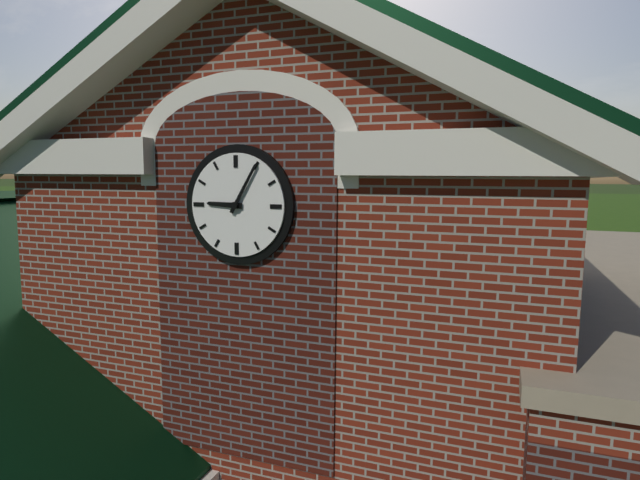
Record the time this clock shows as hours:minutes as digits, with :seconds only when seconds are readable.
9:05
